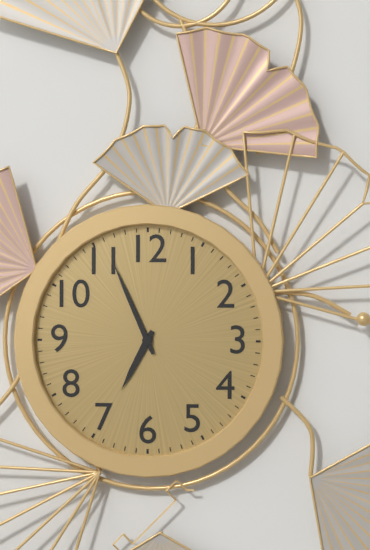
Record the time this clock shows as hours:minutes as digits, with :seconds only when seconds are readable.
6:56
